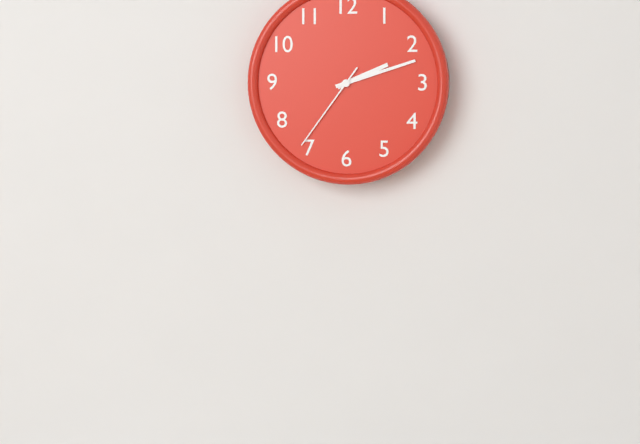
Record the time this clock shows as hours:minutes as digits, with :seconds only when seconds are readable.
2:12:36
